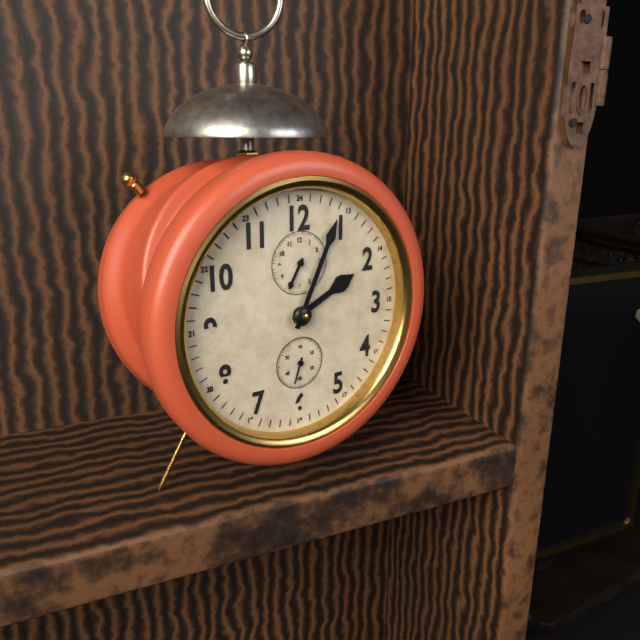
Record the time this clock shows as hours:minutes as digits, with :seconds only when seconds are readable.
2:04
